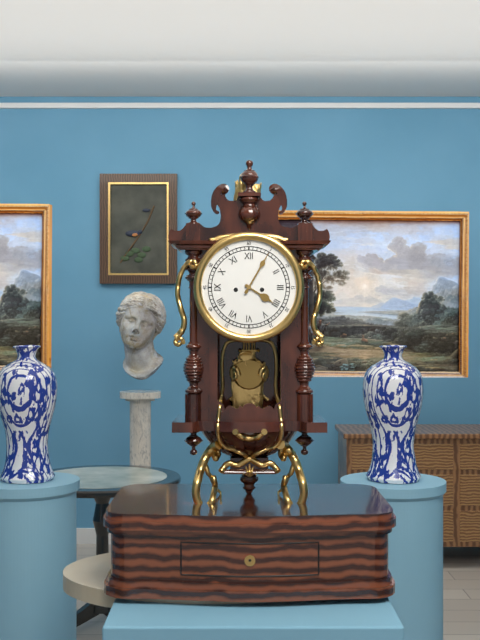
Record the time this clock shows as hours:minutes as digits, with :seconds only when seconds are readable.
4:05
